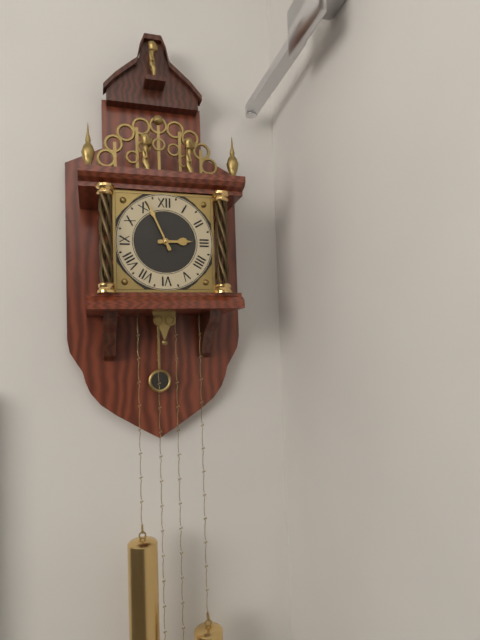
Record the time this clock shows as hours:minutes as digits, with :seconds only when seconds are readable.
2:56
